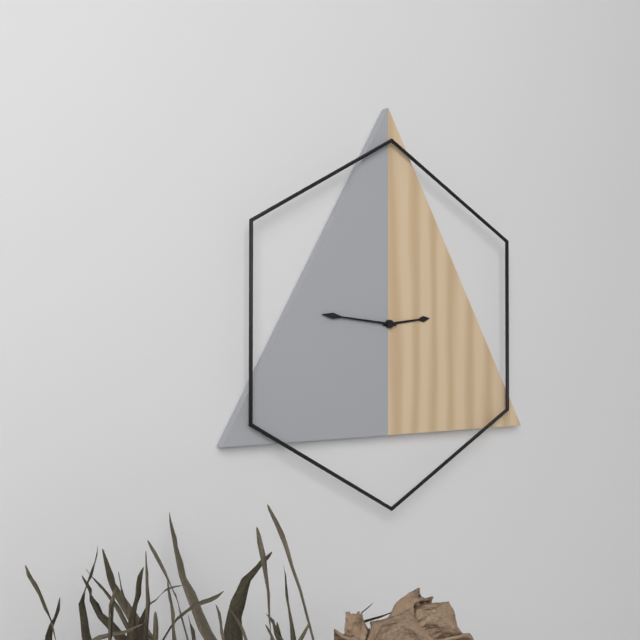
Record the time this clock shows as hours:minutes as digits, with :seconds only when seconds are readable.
2:46
